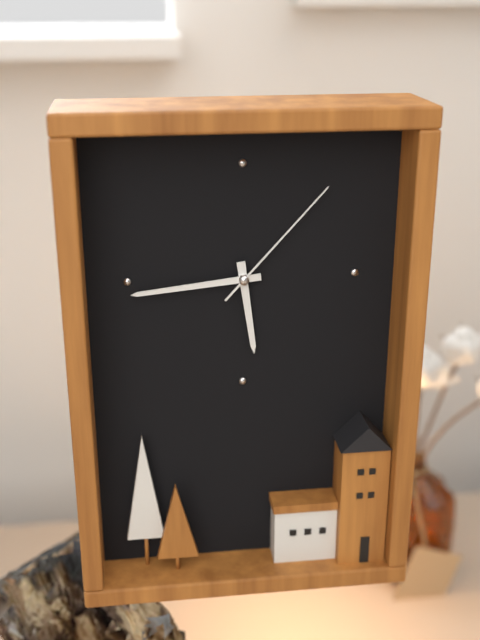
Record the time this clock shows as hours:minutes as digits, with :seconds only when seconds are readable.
5:44:07
